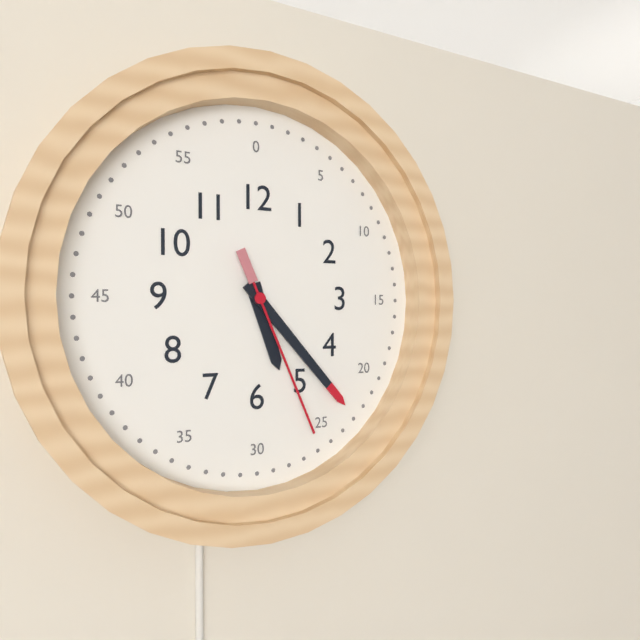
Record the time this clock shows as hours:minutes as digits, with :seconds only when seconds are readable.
5:23:26
